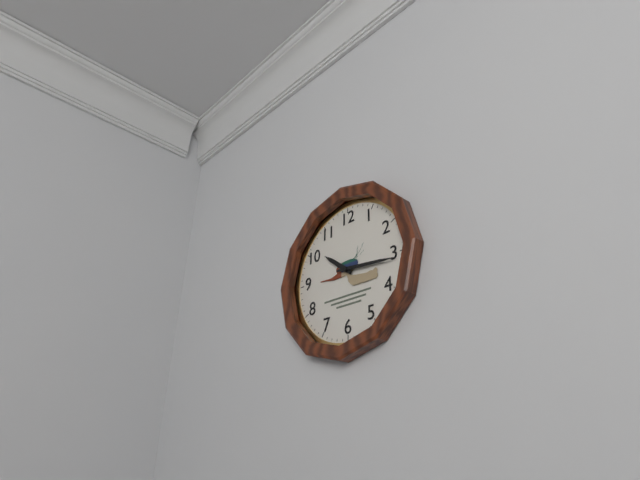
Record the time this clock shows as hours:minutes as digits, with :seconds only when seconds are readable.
10:16
